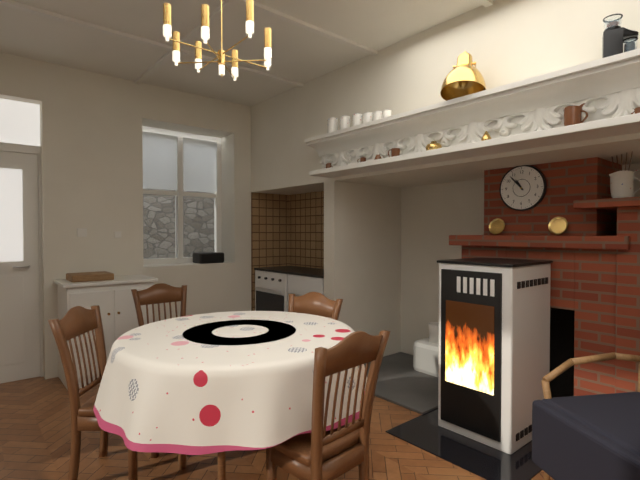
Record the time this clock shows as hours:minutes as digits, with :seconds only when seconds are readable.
10:53
